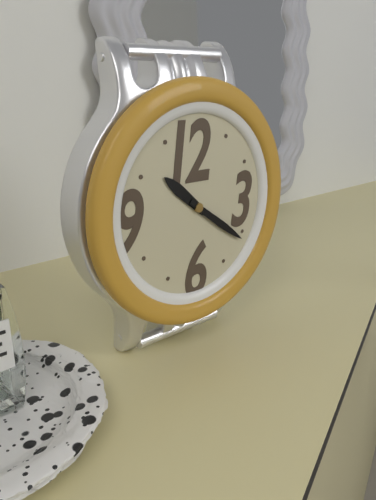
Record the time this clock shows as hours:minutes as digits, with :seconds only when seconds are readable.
10:21
